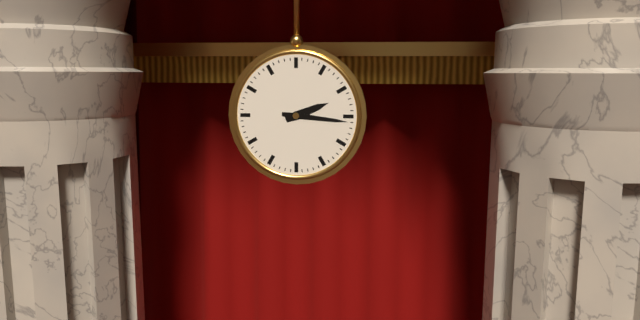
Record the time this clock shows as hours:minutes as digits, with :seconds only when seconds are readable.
2:16
